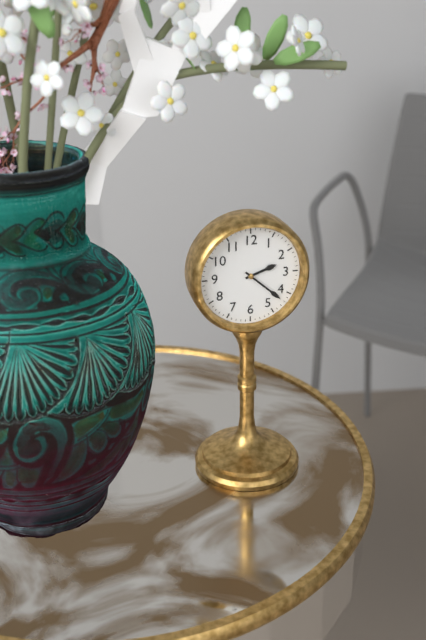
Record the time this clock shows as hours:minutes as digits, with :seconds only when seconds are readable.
2:22
